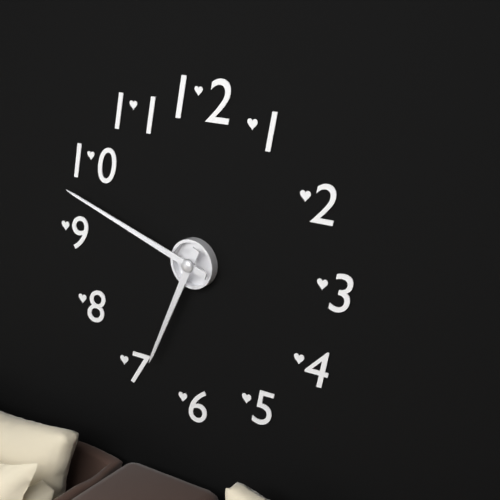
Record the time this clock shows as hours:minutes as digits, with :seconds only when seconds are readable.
6:48
